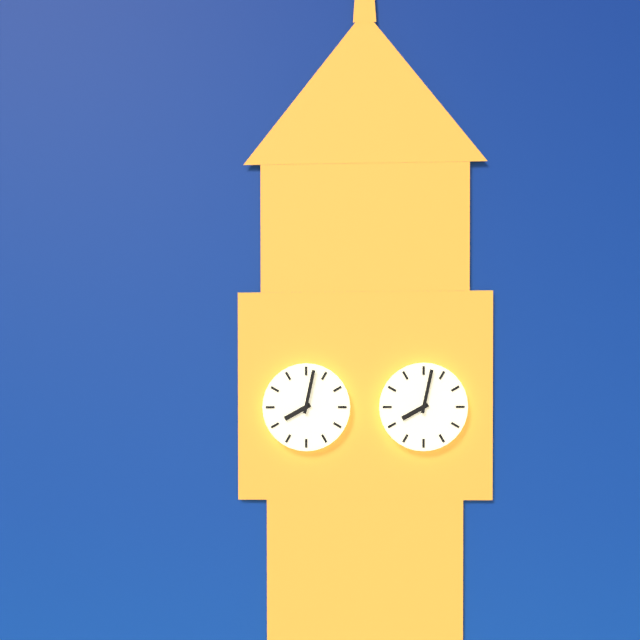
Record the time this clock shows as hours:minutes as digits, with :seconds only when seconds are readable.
8:02
